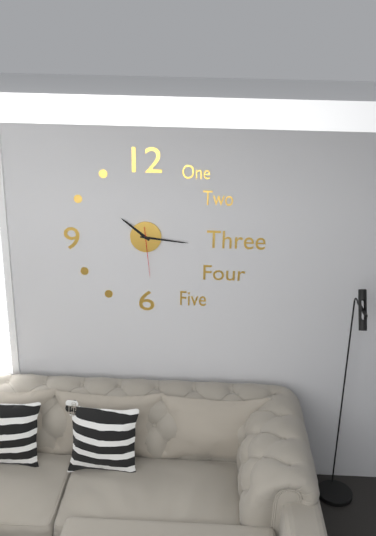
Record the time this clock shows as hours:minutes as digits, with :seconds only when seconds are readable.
10:16:29
